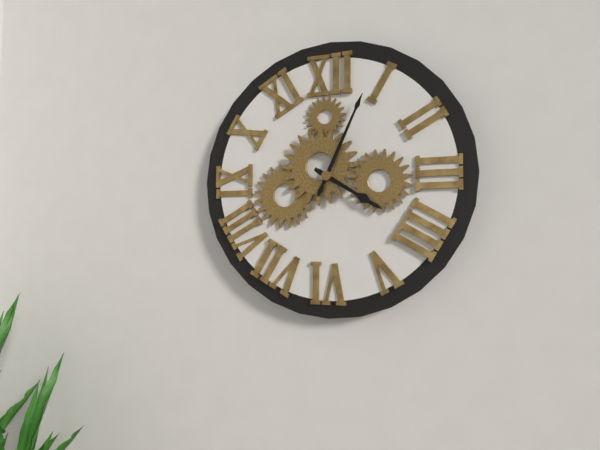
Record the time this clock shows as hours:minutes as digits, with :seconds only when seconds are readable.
4:04
